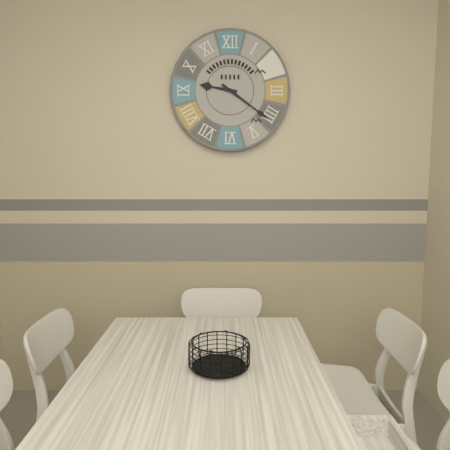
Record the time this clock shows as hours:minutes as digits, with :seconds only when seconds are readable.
9:21
